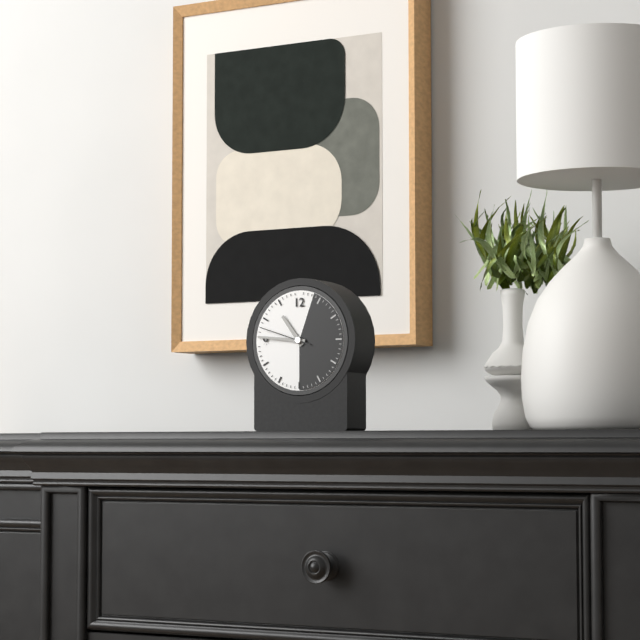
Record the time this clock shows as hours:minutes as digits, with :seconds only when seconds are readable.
10:46:48
